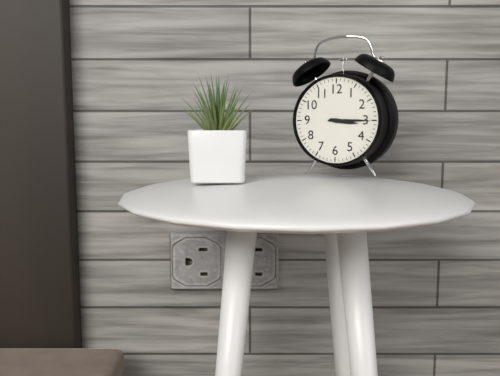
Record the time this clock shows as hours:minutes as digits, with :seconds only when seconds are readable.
3:15
